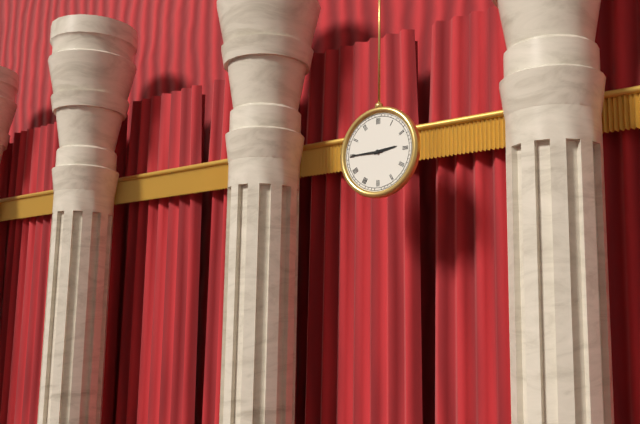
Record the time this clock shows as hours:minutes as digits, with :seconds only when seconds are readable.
2:45
